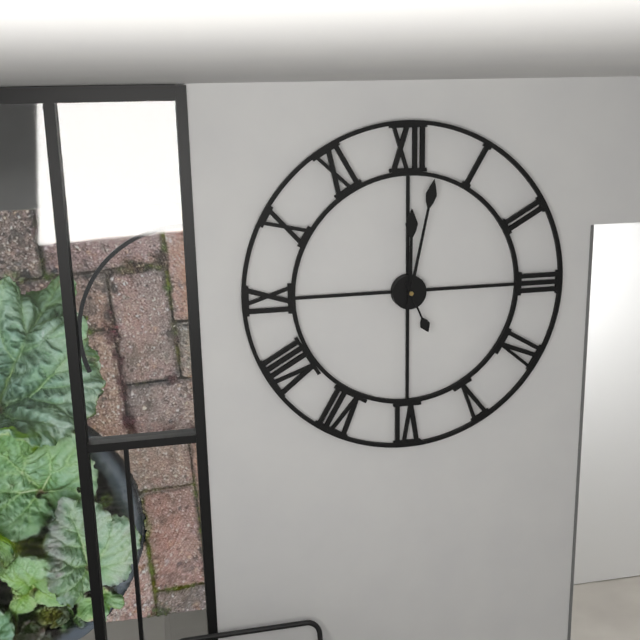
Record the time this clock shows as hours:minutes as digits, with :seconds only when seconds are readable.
12:02:26
